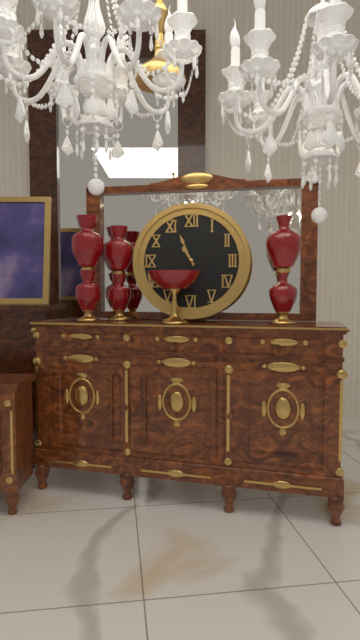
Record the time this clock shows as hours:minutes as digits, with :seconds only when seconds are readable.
10:56
